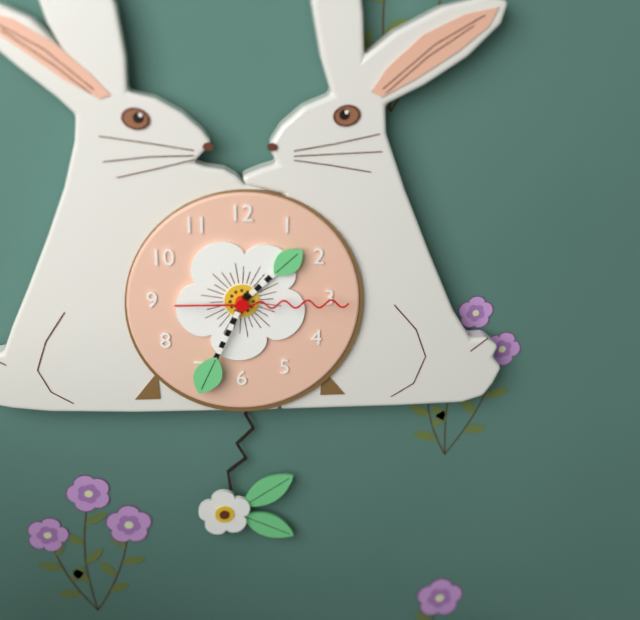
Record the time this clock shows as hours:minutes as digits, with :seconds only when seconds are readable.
1:34:15
